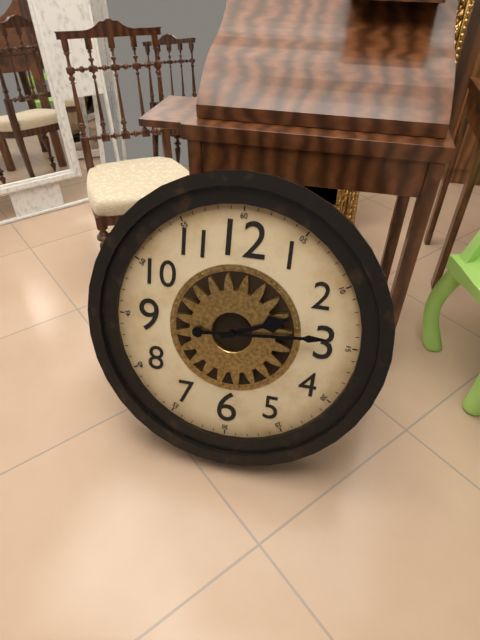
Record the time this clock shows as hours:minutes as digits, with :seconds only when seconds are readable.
2:14
